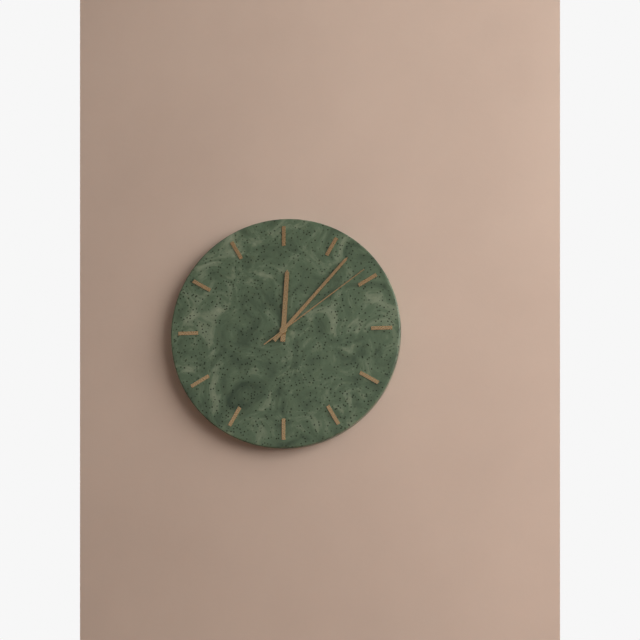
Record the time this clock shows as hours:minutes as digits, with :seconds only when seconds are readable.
12:07:09
